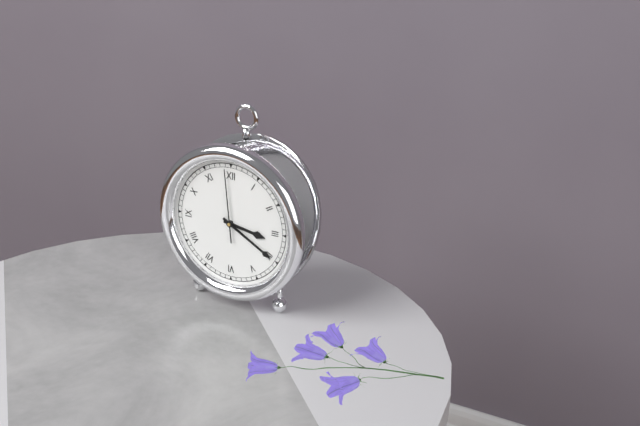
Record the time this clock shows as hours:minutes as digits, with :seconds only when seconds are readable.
3:20:59
